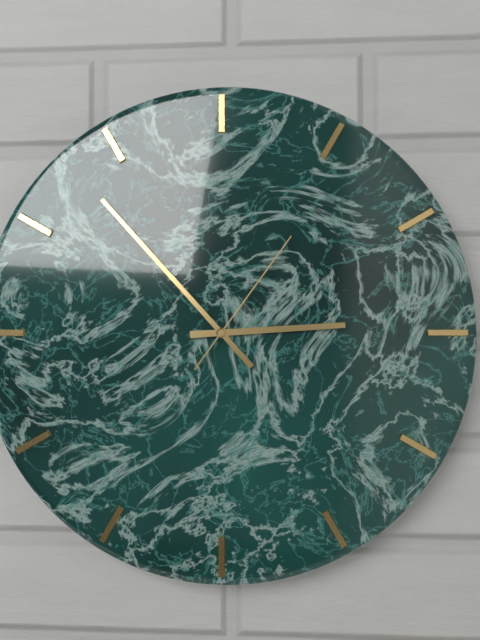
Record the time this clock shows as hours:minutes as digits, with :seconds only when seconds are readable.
2:53:06
